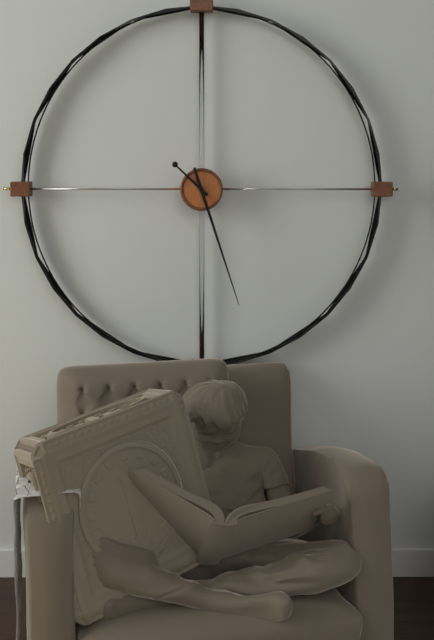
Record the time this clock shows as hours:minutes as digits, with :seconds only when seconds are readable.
10:27
